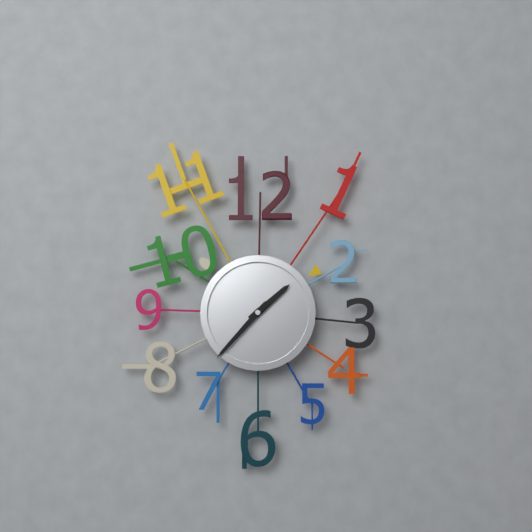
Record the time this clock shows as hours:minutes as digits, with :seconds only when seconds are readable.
1:37
